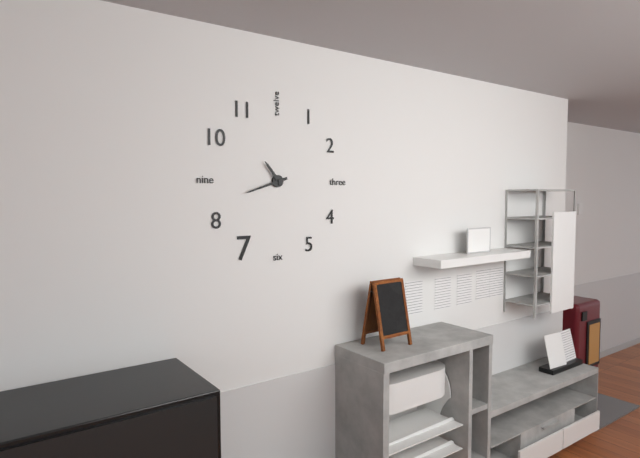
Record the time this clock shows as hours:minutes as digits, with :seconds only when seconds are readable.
10:42
